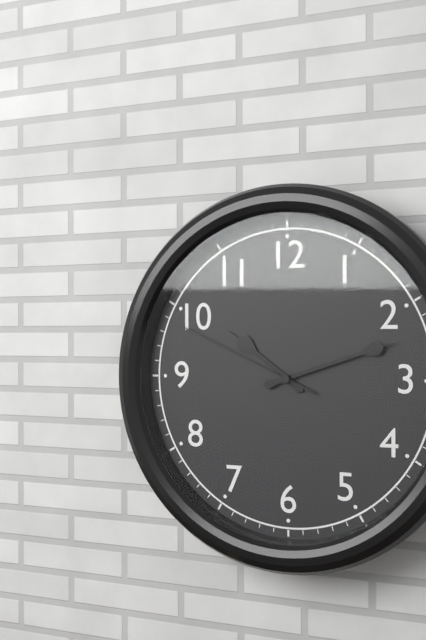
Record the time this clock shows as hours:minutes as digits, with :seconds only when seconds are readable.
10:12:49
